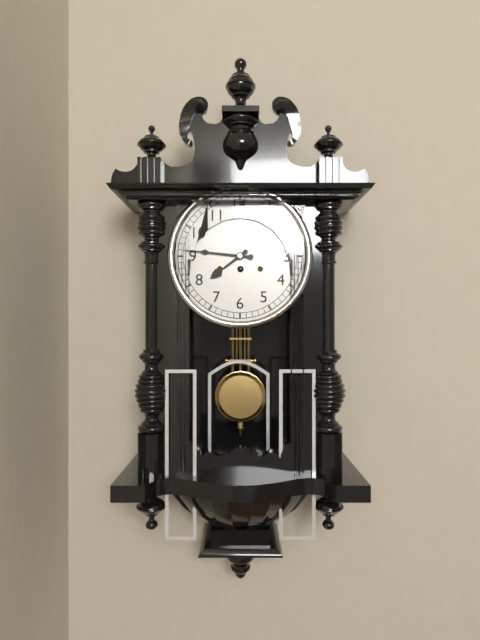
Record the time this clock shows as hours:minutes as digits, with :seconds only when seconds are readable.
7:46
